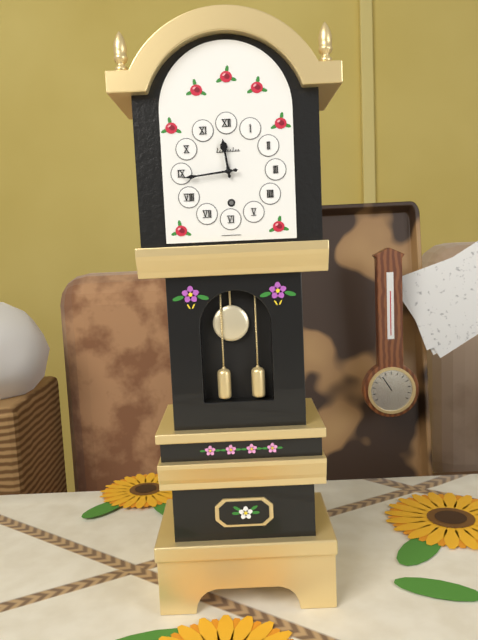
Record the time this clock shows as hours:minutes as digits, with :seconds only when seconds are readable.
11:44
